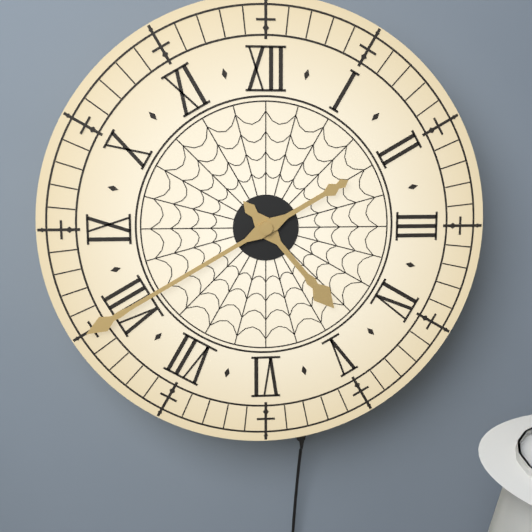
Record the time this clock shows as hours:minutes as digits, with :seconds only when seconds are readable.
4:40
